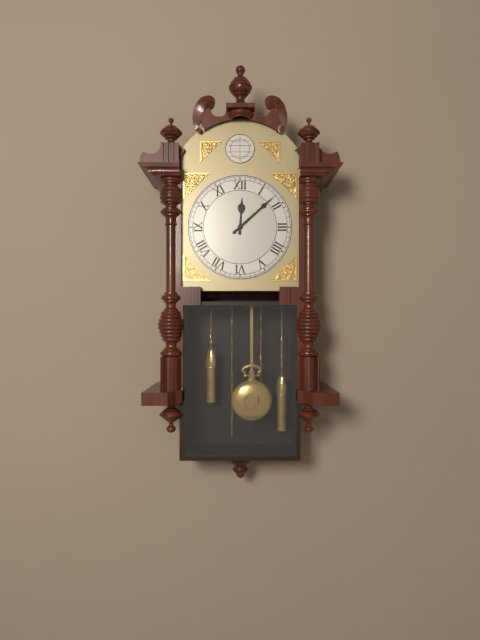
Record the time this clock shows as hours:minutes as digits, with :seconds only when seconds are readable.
12:08
